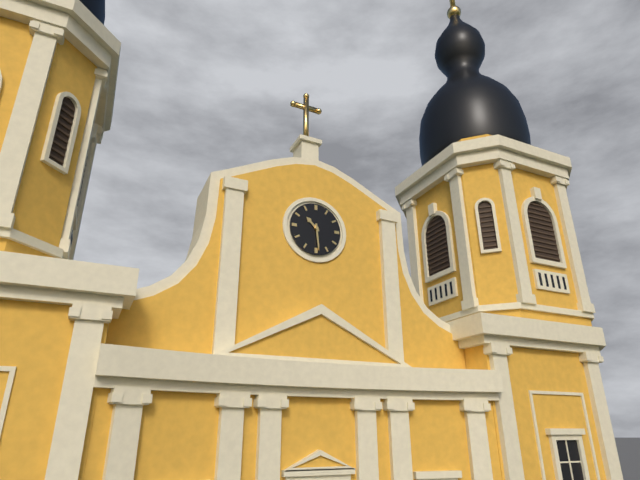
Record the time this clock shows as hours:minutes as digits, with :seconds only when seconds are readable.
10:29
